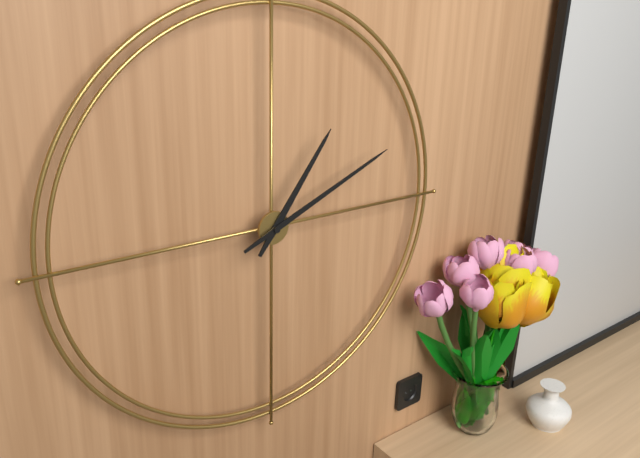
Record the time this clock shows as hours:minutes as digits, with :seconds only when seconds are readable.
1:11
